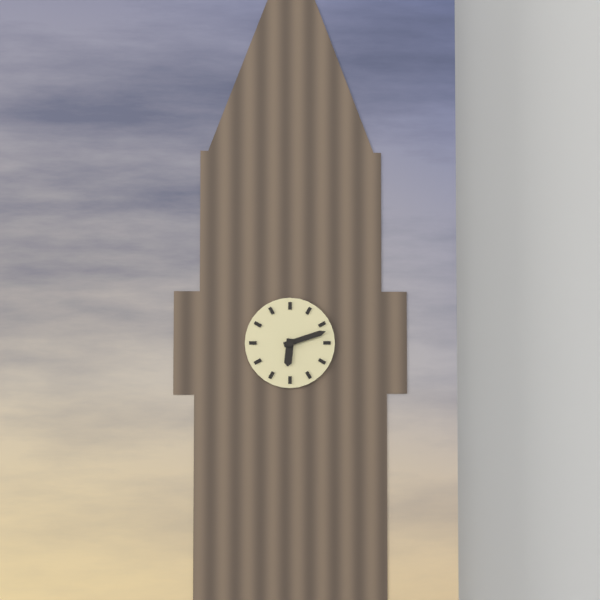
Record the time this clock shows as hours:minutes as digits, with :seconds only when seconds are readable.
6:12
